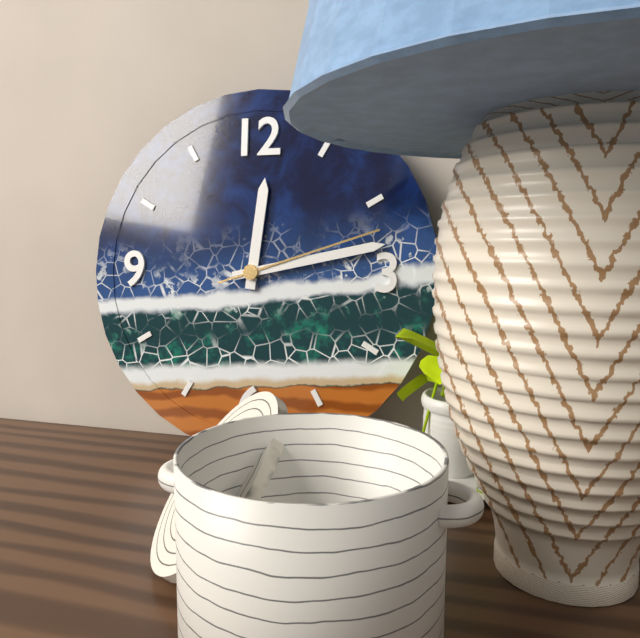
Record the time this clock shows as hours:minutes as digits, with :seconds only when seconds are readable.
12:13:12
